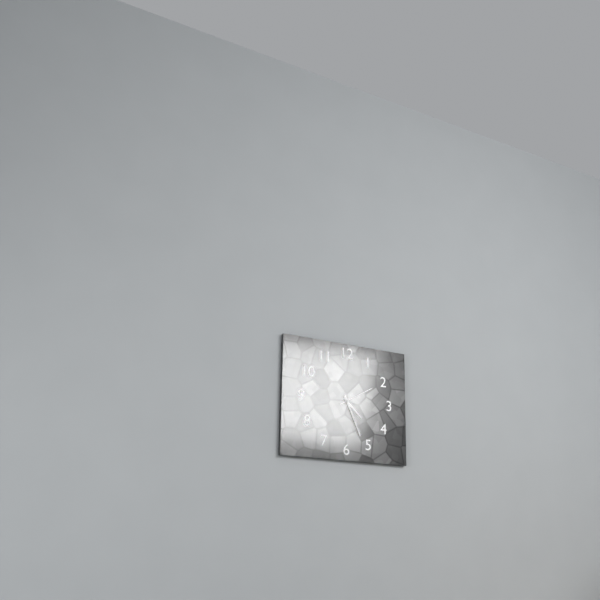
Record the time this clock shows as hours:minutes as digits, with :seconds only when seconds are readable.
4:26
